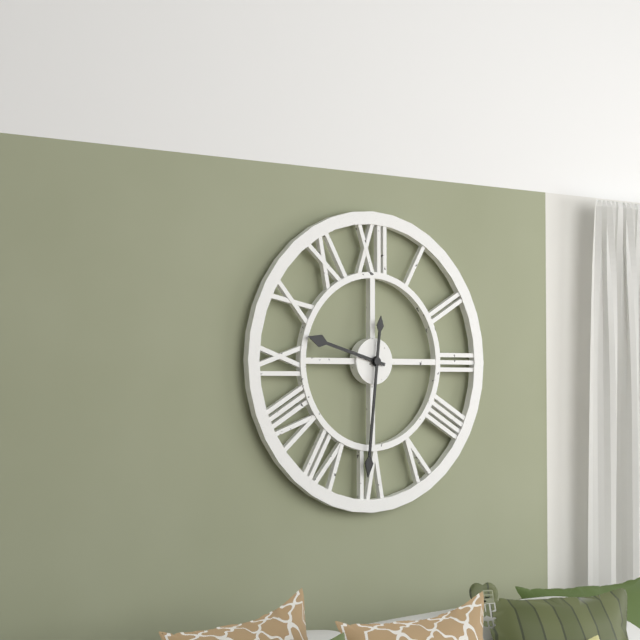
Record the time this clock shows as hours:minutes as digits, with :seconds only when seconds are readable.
9:31
